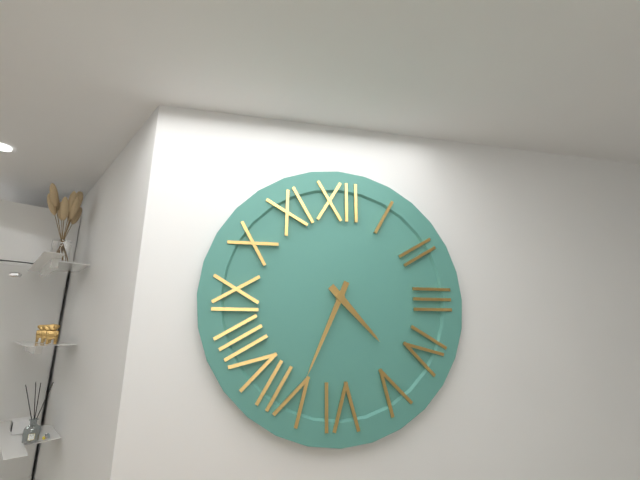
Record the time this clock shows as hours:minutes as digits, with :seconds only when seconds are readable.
4:34
